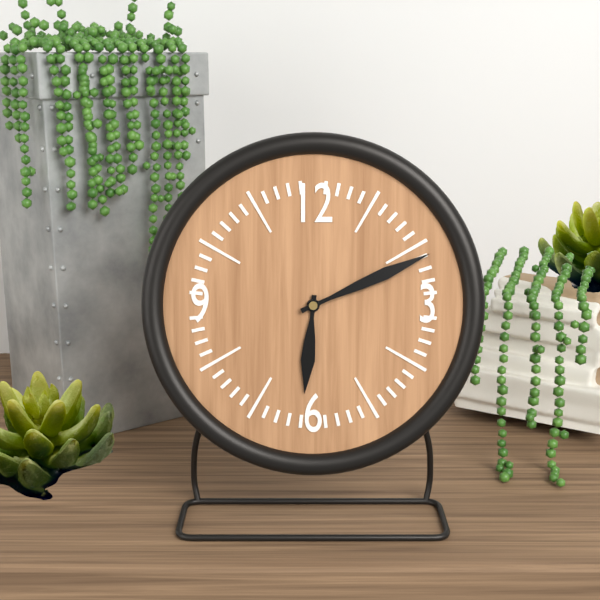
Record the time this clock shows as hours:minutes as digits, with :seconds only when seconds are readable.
6:11
